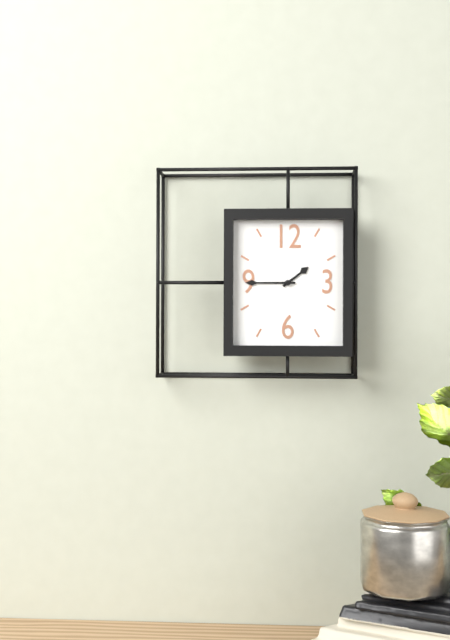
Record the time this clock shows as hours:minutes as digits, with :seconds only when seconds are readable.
1:45
